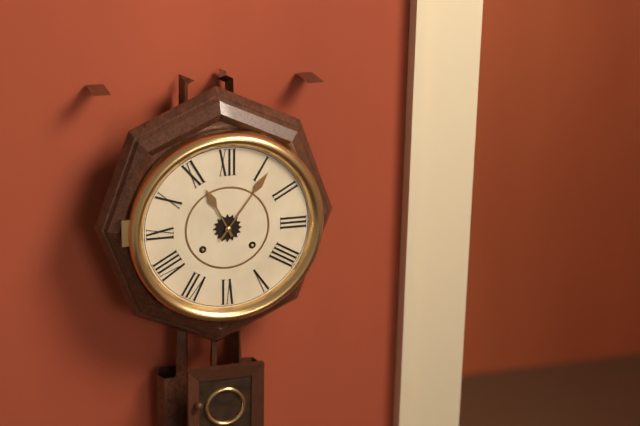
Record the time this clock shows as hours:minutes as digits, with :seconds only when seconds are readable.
11:06
